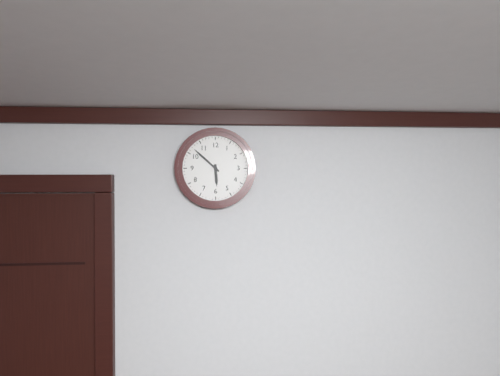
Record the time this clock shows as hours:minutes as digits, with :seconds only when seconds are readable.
5:52
